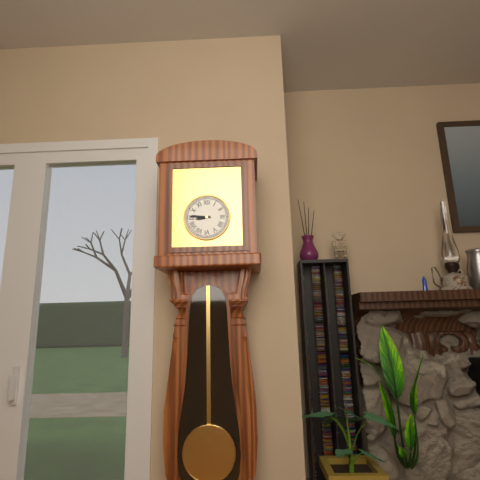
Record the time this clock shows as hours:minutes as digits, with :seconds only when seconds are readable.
8:46
